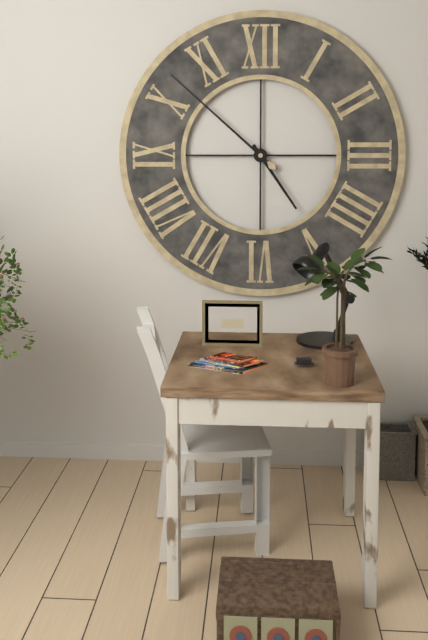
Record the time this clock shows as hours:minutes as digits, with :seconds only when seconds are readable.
4:52
